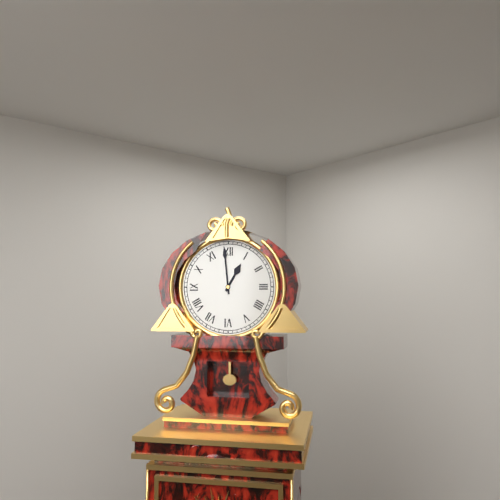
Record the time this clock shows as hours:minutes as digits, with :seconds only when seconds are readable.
12:59
